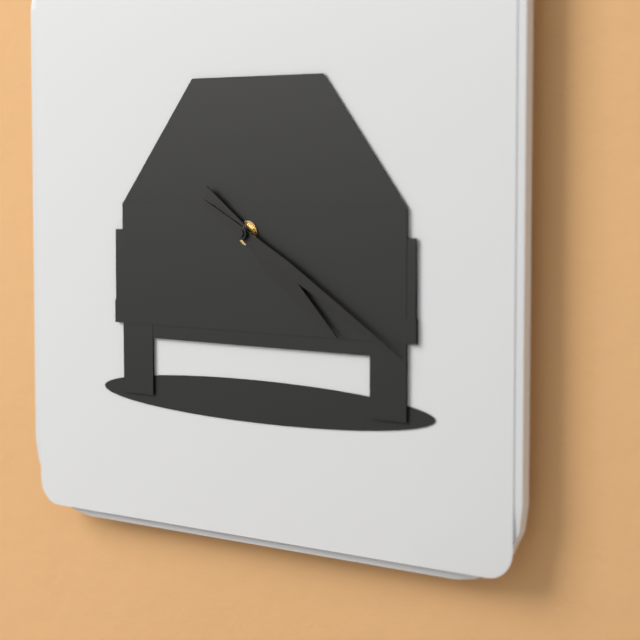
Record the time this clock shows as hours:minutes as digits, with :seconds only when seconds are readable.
4:20
